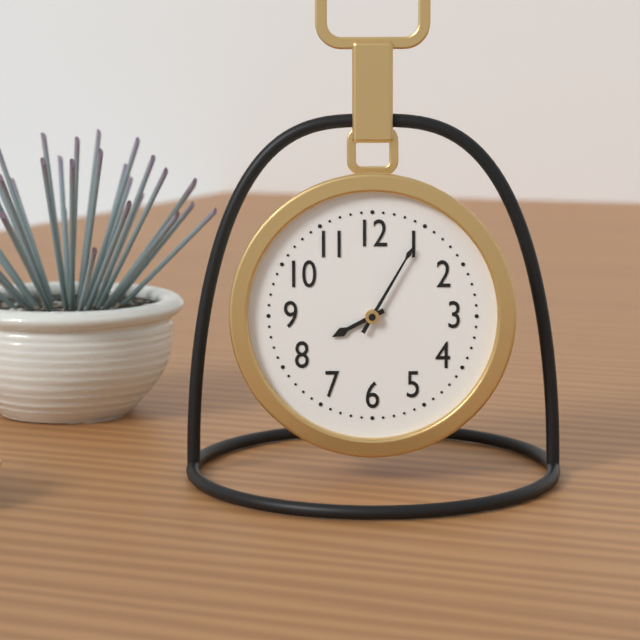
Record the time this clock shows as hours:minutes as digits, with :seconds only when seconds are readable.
8:05
